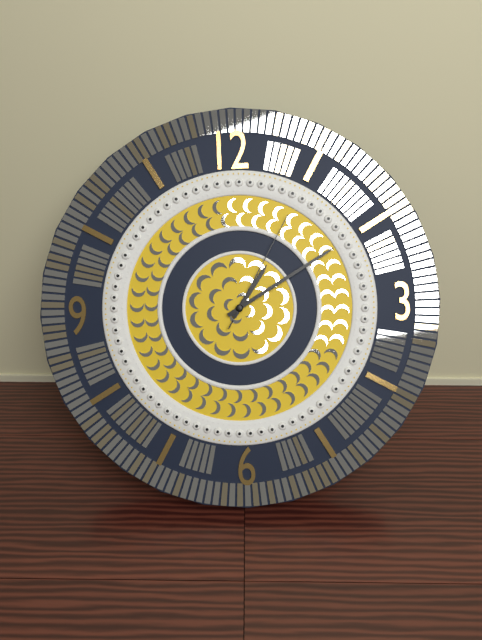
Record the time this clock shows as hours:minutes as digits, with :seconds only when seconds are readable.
1:10:05
